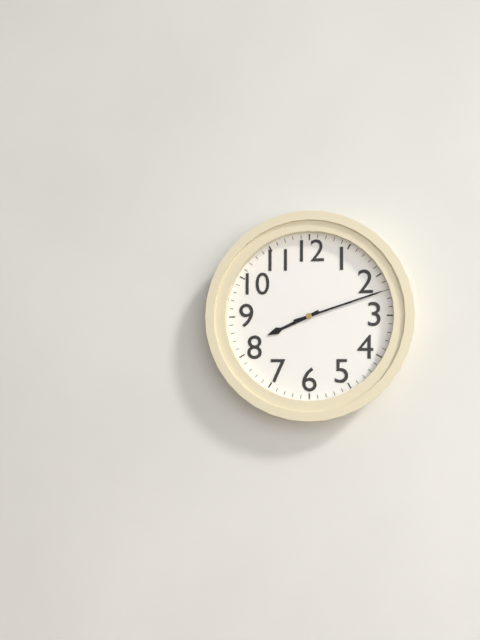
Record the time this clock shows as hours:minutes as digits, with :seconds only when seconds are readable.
8:12
